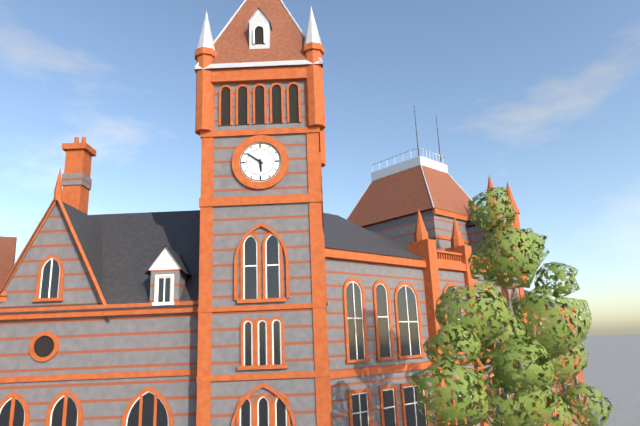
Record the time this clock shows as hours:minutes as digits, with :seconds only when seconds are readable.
5:51
